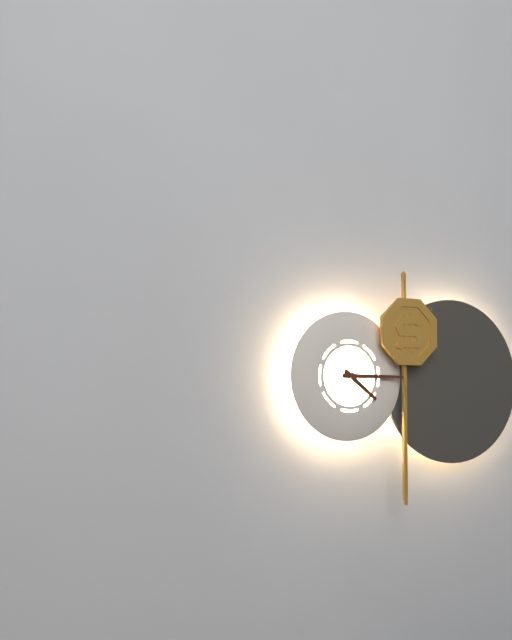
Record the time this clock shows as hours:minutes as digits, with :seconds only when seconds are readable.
4:15
